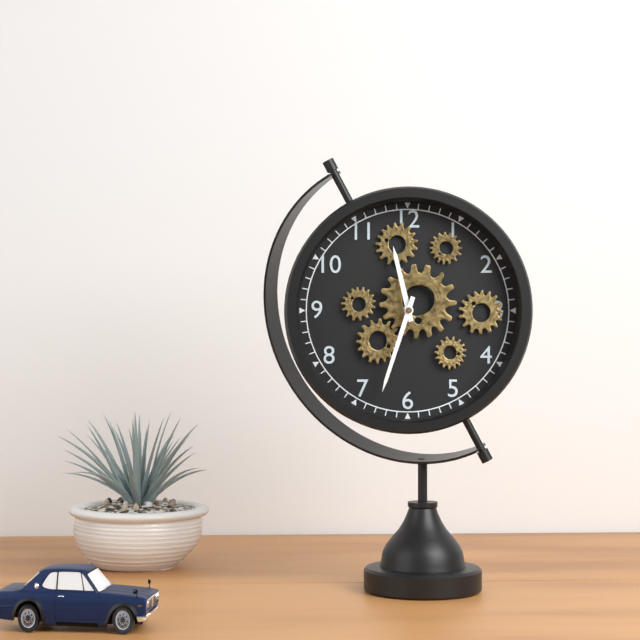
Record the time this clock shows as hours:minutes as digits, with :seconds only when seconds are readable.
11:33
